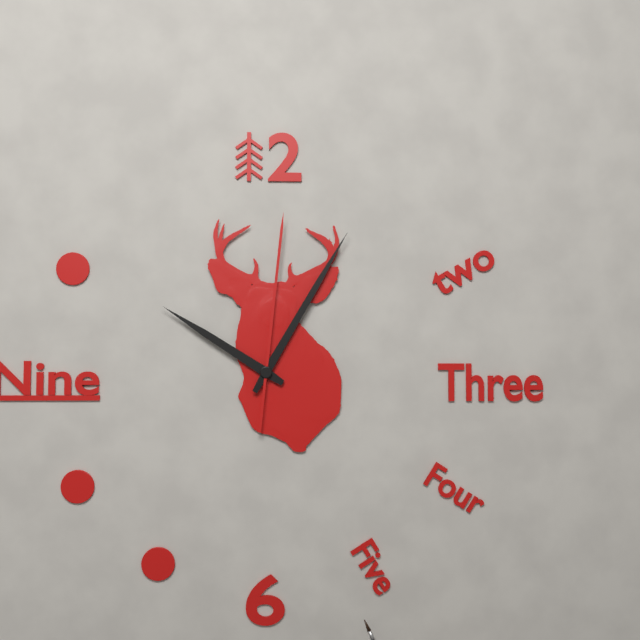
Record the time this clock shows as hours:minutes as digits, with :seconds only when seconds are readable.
10:05:01
